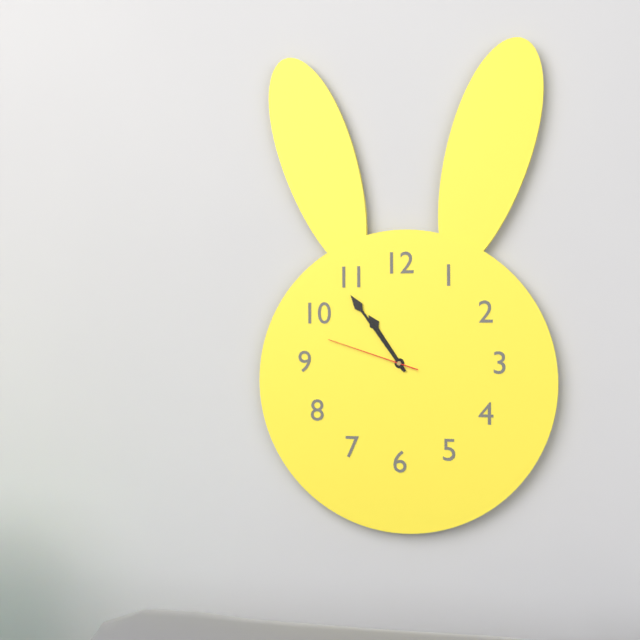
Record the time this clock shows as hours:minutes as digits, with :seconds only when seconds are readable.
10:54:48
